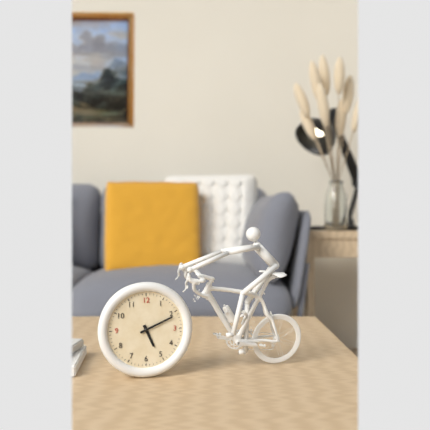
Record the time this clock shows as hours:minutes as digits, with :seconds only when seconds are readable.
5:11
